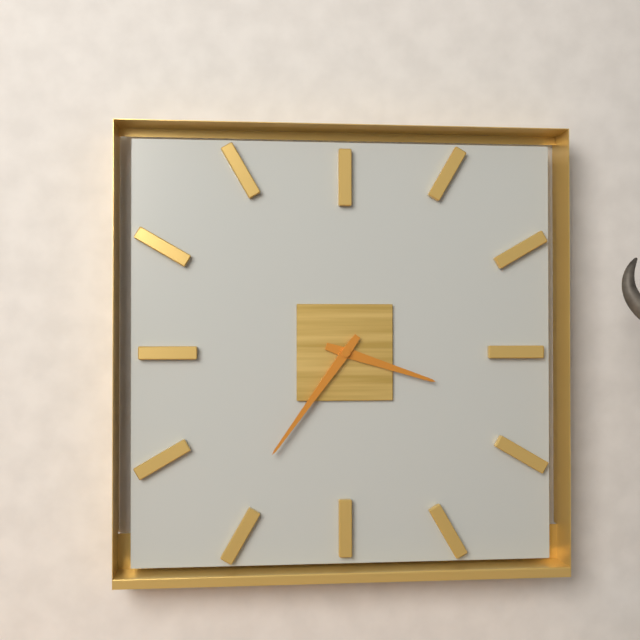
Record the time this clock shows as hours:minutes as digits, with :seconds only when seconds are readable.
3:36
